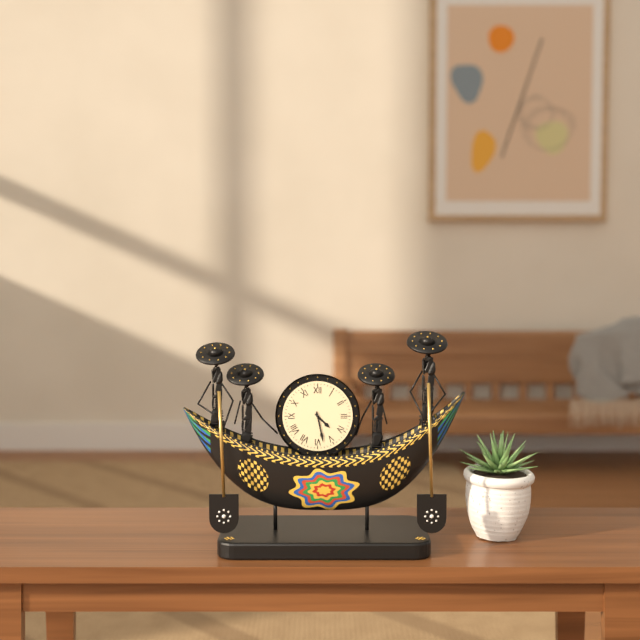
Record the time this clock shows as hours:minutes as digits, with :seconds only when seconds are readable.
4:28
